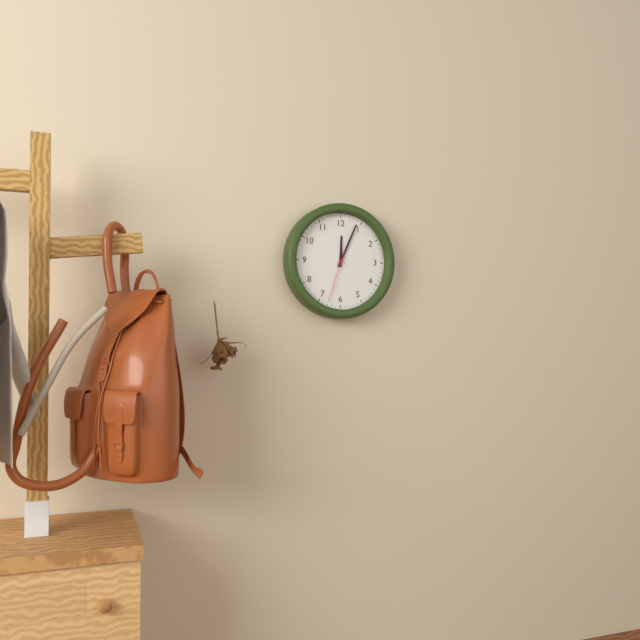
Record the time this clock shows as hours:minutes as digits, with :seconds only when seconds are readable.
12:04:33
